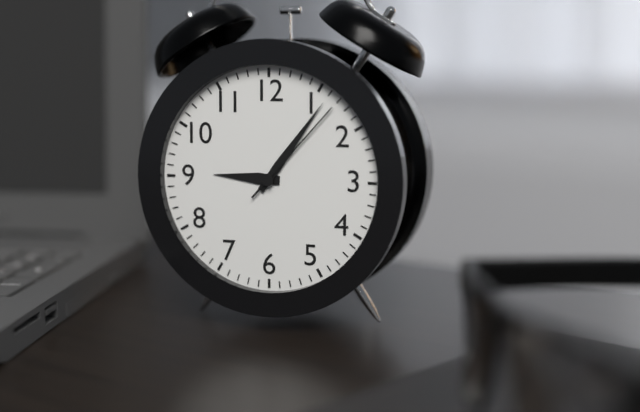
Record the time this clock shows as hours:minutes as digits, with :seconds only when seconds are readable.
9:06:07
